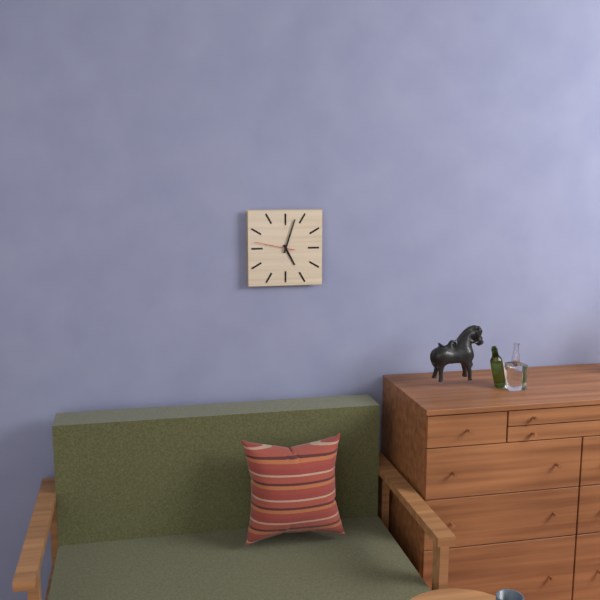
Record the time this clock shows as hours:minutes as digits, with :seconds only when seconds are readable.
5:03
